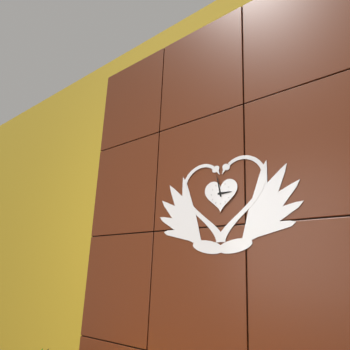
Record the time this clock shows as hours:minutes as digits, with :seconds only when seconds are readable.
2:58
